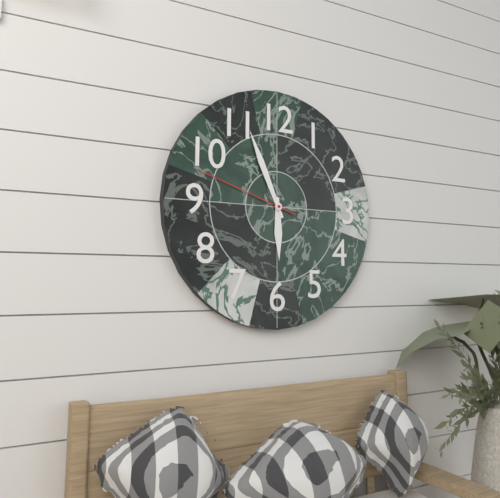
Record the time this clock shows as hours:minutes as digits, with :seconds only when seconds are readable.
5:56:48
